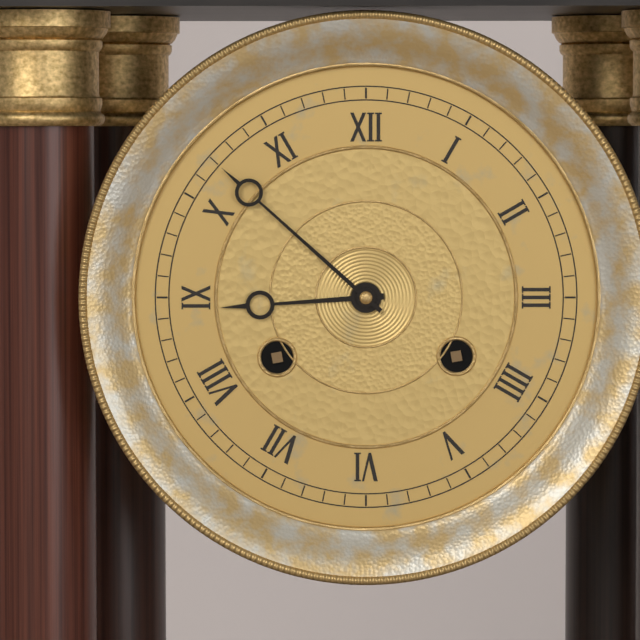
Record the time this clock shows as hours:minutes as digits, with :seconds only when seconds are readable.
8:52
